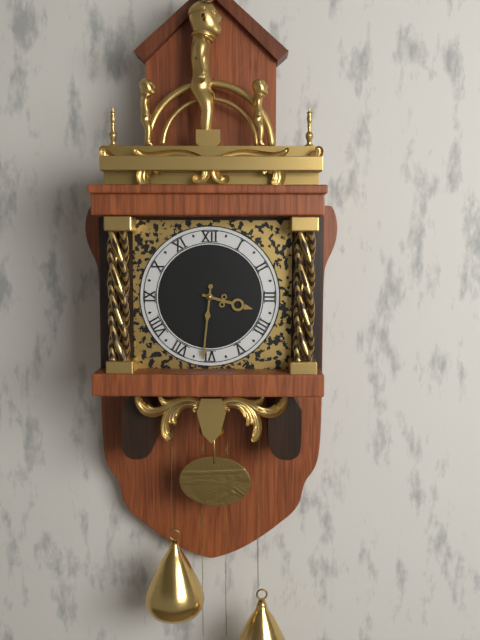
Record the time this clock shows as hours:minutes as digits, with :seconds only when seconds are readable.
3:31
